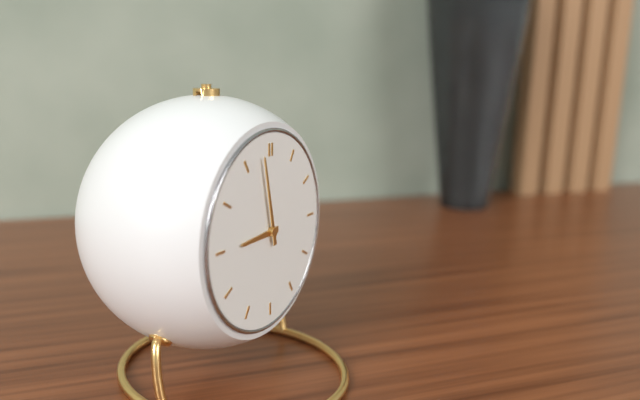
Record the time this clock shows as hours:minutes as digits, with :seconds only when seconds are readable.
8:58
